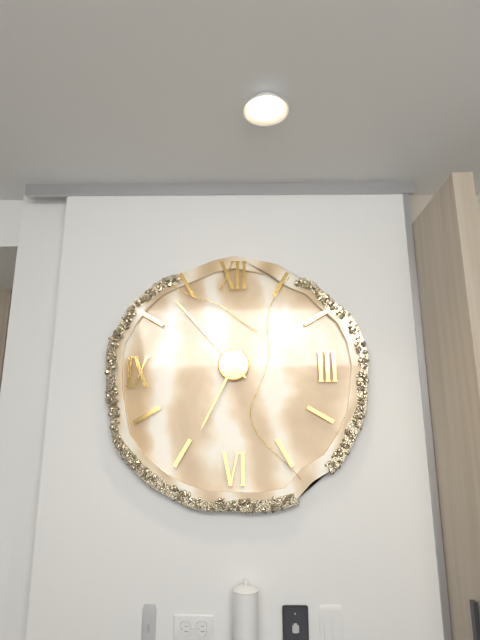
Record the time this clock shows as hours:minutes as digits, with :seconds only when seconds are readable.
6:53
